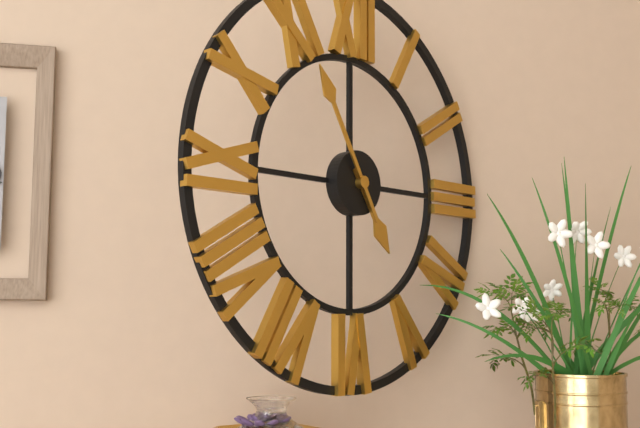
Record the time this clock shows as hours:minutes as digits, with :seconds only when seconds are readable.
4:55
